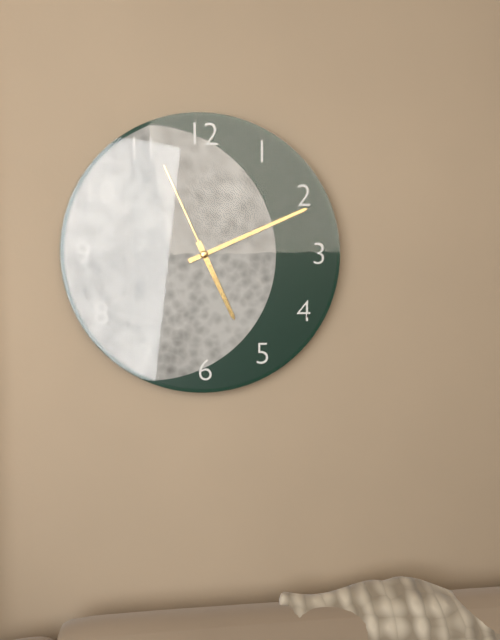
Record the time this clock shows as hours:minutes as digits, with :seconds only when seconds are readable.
5:11:56
